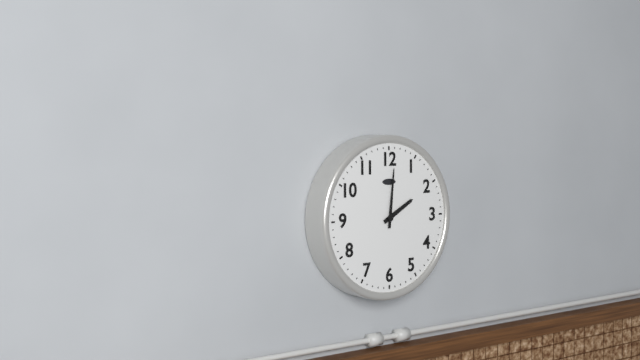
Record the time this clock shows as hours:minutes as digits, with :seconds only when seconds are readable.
2:01
